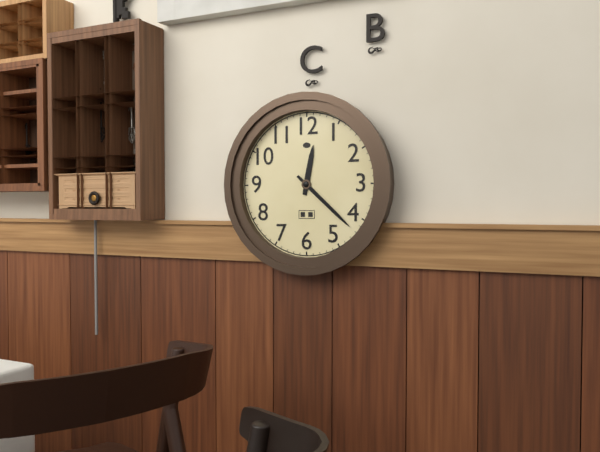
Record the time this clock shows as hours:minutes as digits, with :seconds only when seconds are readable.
12:22
